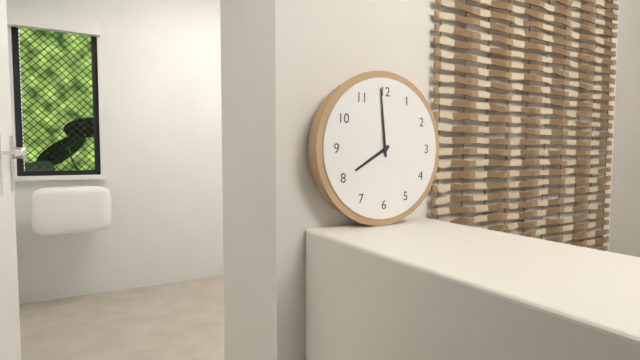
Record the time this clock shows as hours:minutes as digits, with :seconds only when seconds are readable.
7:59
